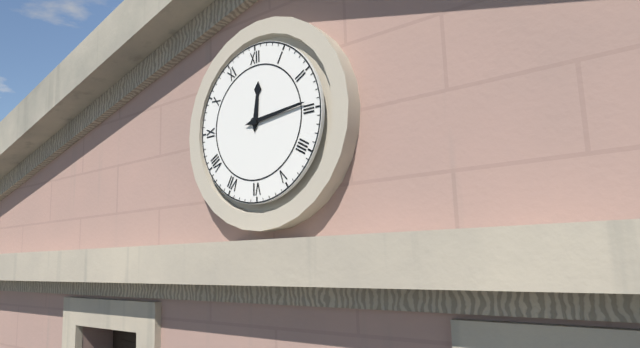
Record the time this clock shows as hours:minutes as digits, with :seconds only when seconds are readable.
12:14
